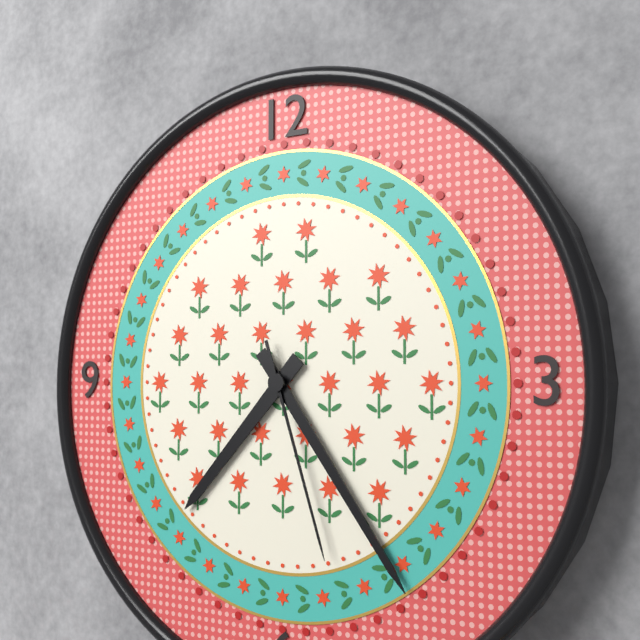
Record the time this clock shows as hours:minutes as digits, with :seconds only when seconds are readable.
7:24:27
